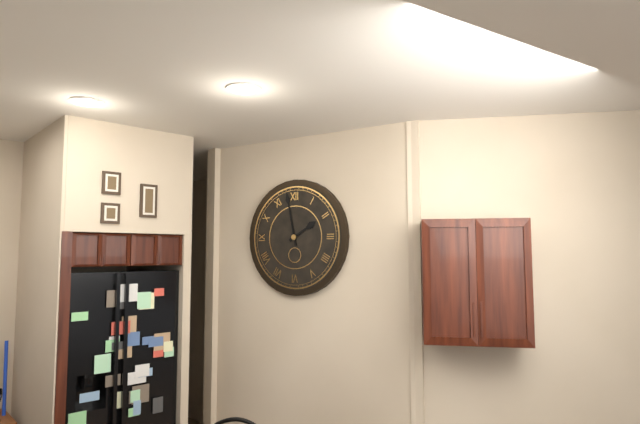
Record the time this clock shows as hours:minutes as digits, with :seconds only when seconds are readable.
1:58
